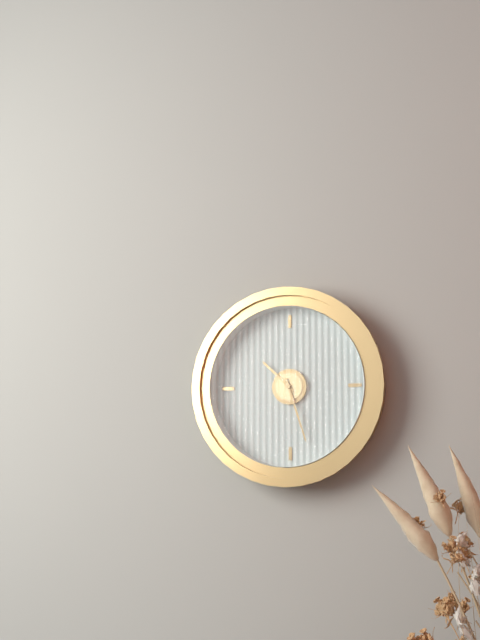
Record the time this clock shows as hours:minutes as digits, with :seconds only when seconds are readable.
10:27
